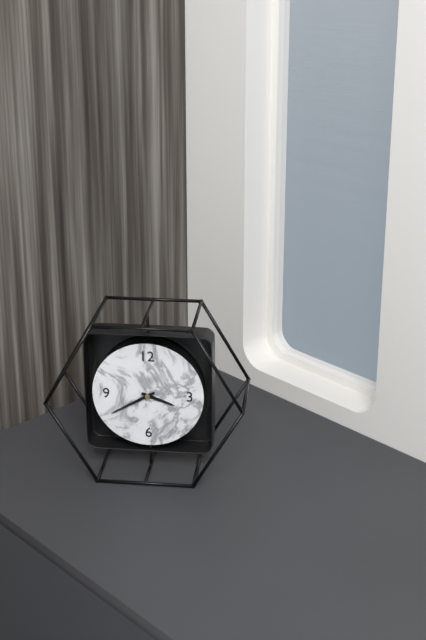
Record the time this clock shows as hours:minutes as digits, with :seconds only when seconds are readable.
3:40
